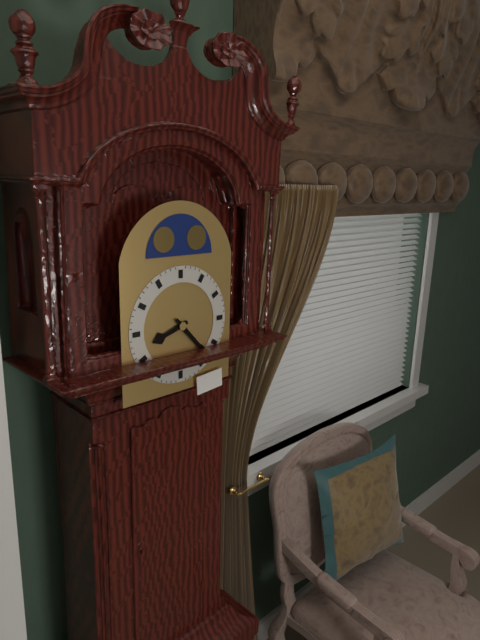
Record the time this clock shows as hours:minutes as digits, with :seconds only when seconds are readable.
8:23
